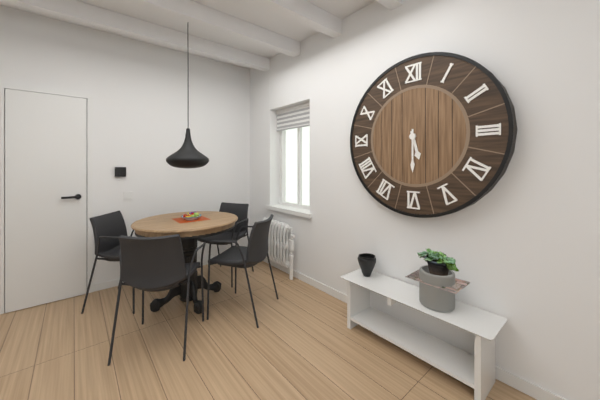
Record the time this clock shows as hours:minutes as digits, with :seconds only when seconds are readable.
5:30
